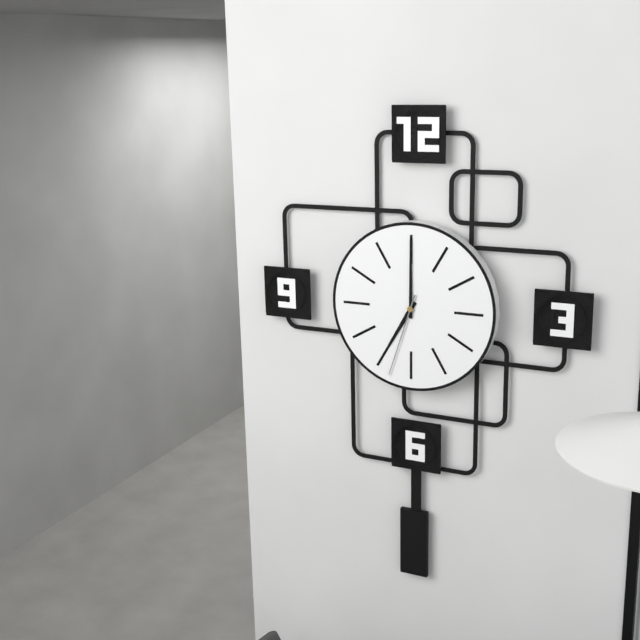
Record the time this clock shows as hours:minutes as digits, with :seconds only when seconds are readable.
7:00:33
